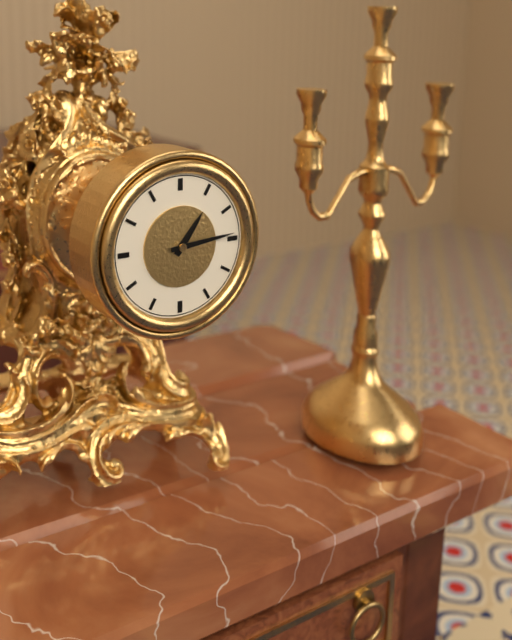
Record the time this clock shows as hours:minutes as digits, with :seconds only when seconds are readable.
1:14
